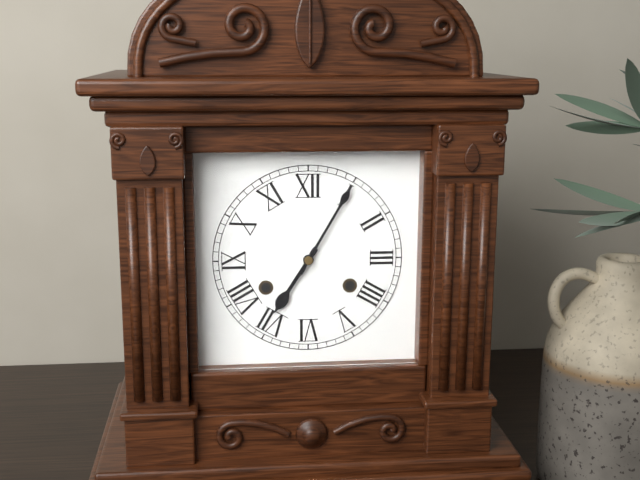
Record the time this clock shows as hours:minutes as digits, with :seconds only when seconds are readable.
7:05
